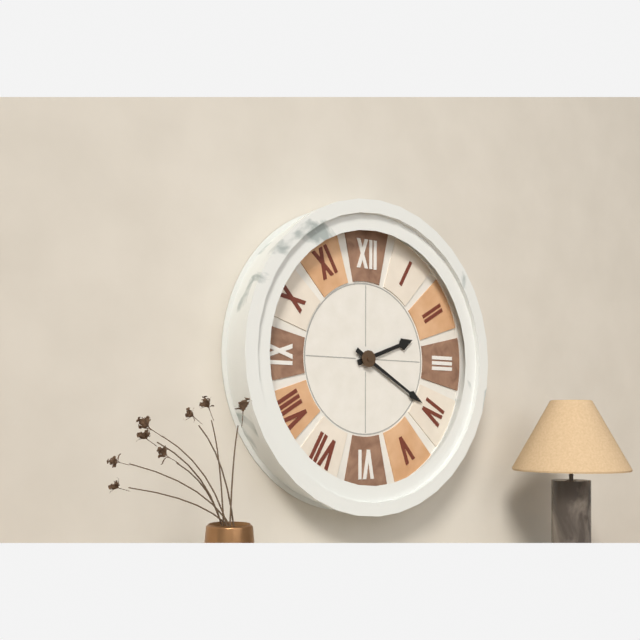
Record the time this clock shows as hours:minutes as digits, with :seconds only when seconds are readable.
2:20
